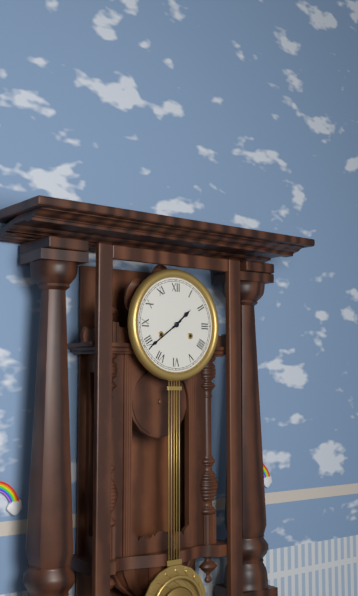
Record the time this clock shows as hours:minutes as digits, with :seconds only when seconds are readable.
1:39
